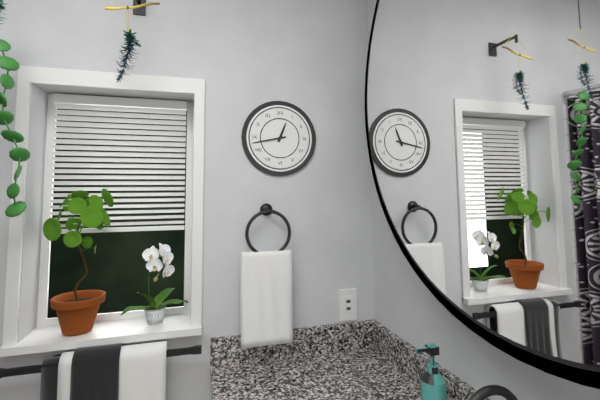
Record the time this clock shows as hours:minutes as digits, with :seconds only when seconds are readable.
12:43
